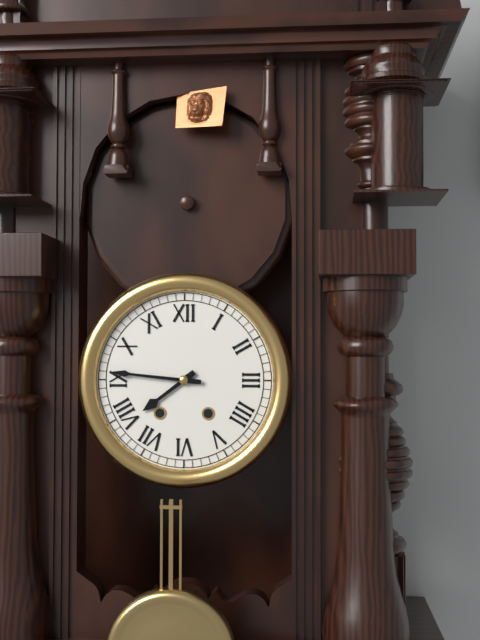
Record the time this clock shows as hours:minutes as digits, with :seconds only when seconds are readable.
7:46
